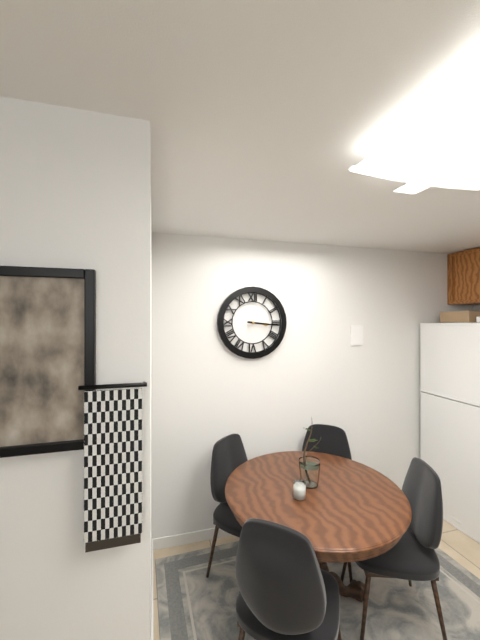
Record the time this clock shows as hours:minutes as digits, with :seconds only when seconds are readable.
3:16
